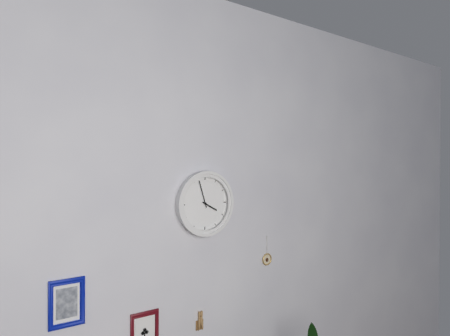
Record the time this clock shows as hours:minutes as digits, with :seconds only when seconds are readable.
3:57
